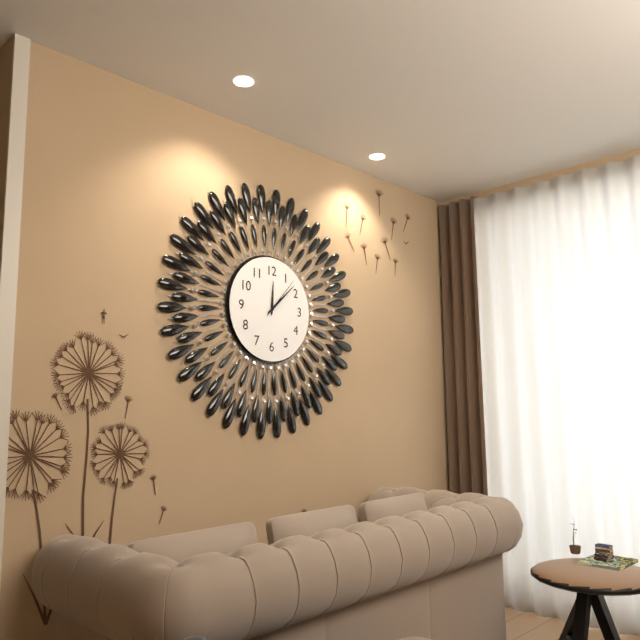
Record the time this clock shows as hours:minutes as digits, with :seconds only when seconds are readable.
12:08
